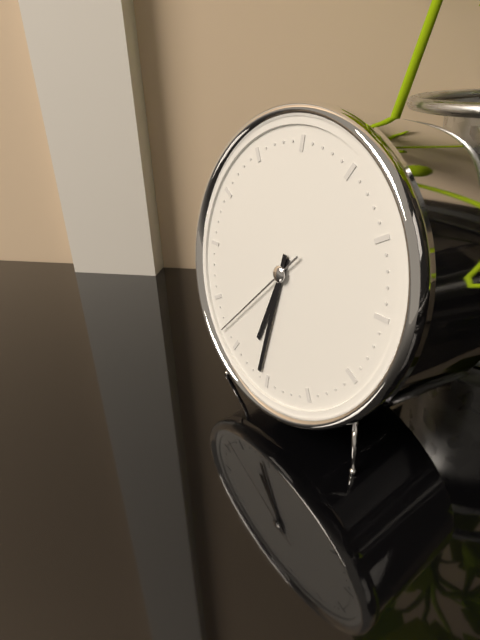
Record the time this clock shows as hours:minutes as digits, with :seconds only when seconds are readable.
6:31:37
